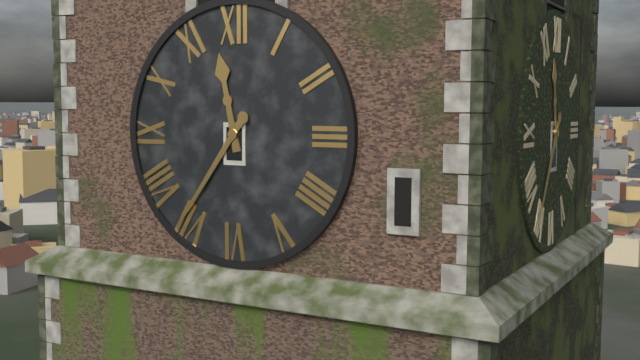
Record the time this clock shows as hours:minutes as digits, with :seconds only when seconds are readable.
11:36
